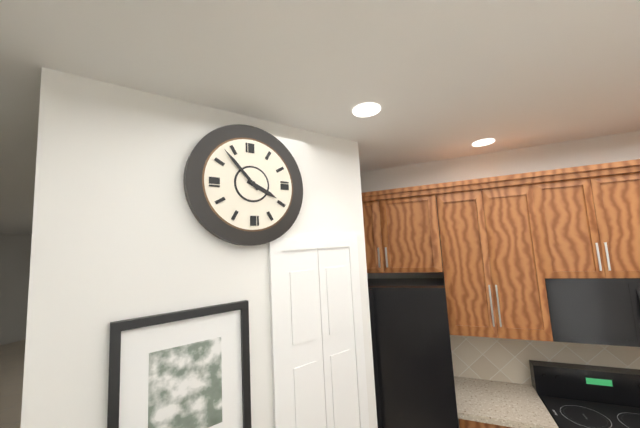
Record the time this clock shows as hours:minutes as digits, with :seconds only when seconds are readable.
3:53
